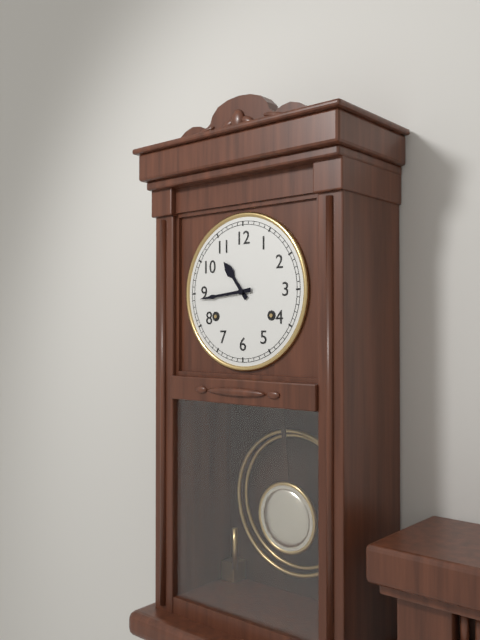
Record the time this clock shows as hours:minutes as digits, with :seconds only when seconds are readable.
10:44
